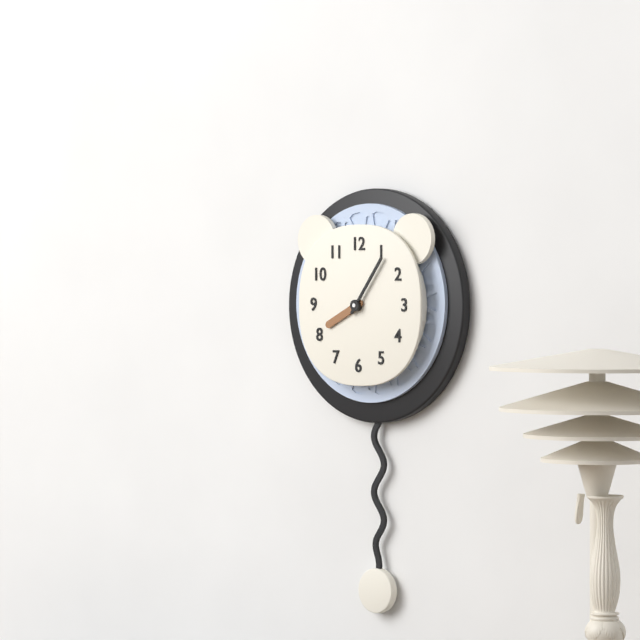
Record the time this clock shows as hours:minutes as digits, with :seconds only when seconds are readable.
8:06
